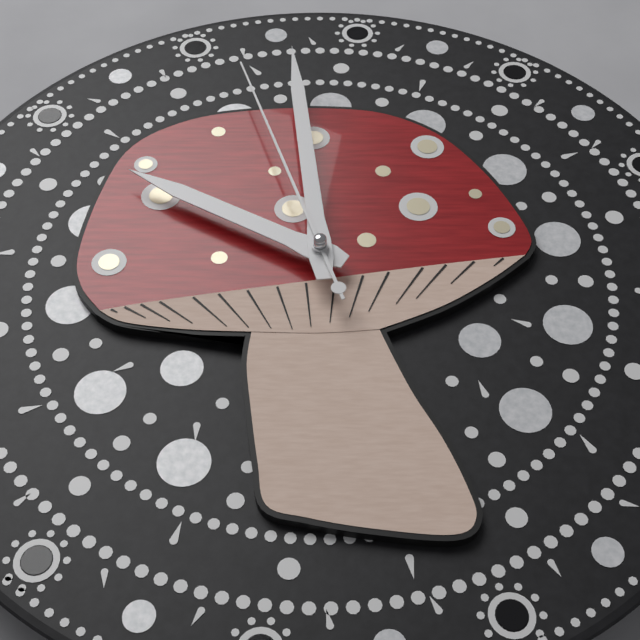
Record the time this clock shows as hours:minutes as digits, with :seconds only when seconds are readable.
9:59:57
